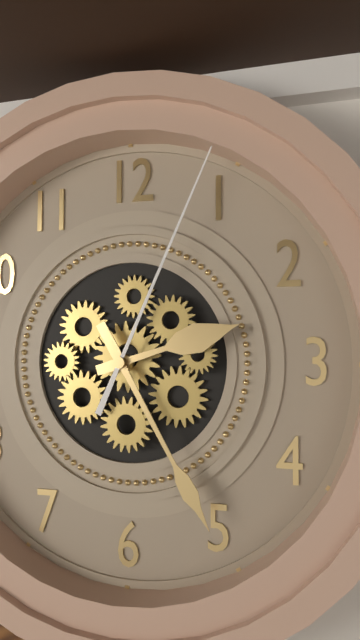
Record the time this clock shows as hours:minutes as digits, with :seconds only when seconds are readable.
2:25:04
